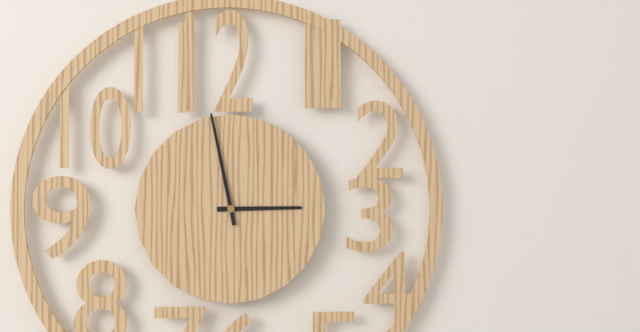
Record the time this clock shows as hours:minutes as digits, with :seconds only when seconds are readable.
2:58
